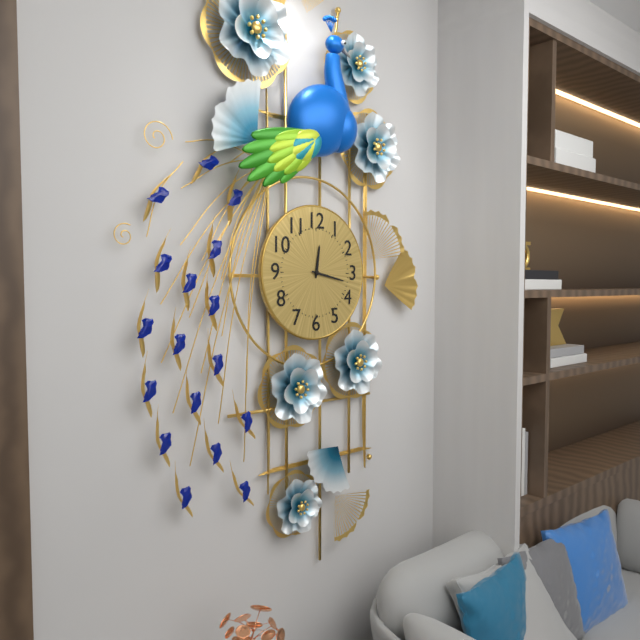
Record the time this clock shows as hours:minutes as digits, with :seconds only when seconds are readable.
12:17
